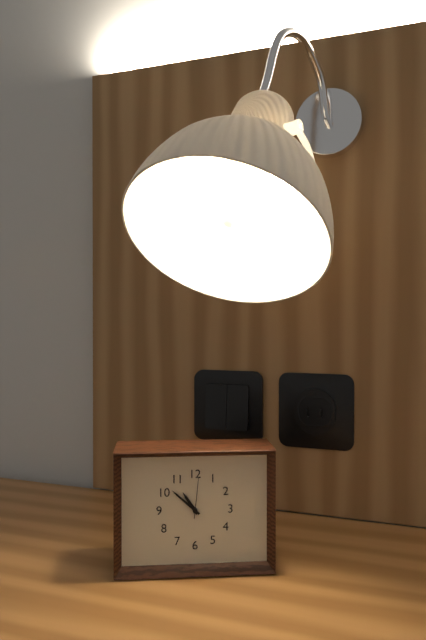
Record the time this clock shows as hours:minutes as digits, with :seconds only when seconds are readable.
10:52
